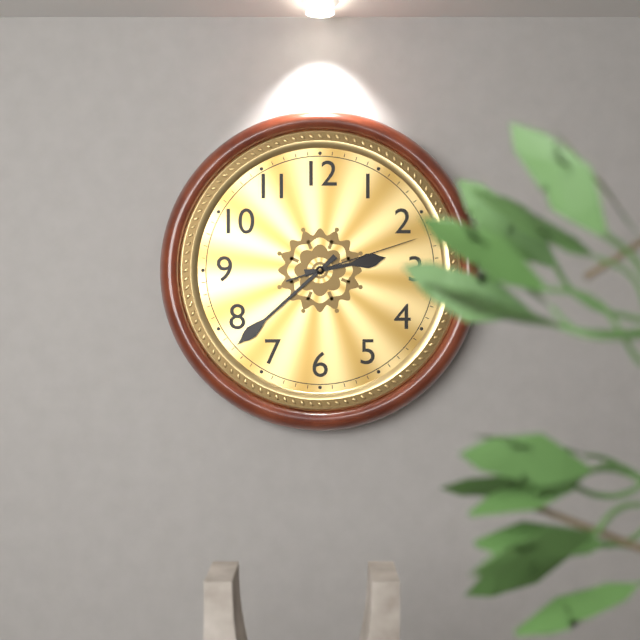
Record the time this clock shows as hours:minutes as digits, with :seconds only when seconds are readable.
2:38:12
